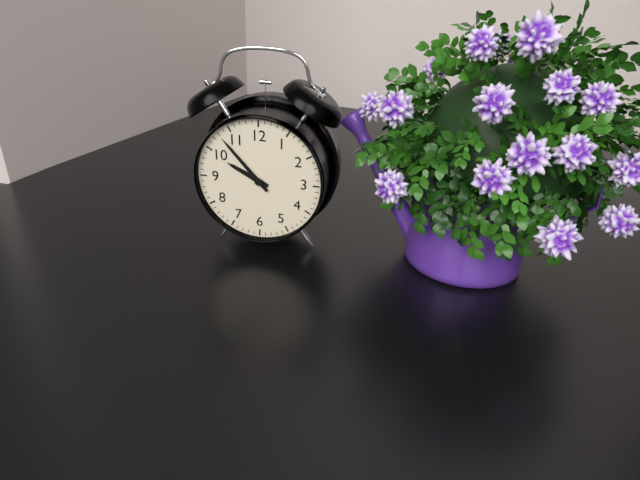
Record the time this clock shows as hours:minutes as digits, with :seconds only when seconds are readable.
9:53
